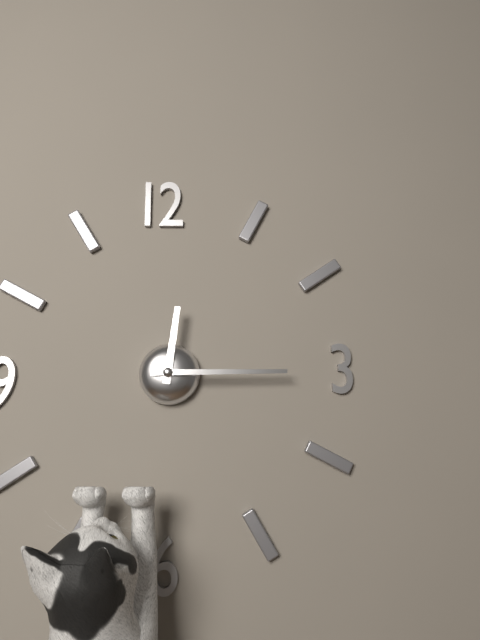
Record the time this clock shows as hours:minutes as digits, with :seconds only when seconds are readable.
12:15
